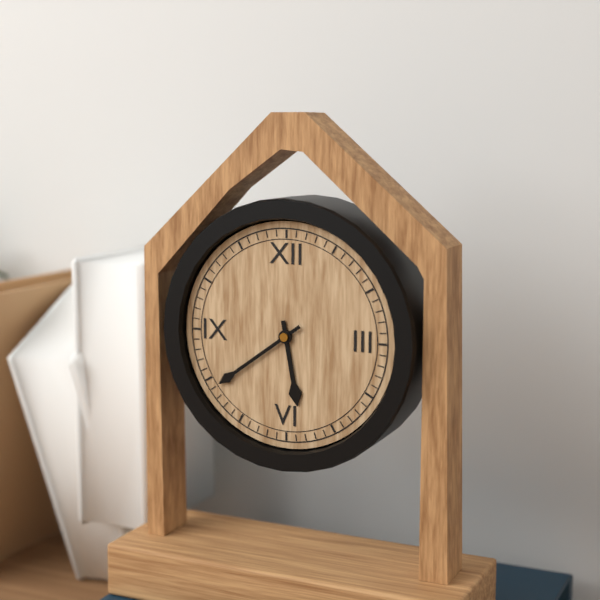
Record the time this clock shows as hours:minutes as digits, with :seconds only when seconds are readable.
5:39
